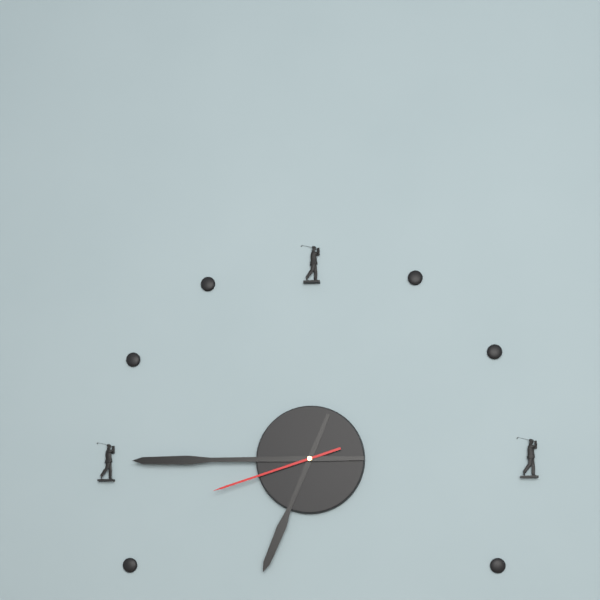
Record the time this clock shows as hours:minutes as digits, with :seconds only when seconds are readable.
6:45:42
